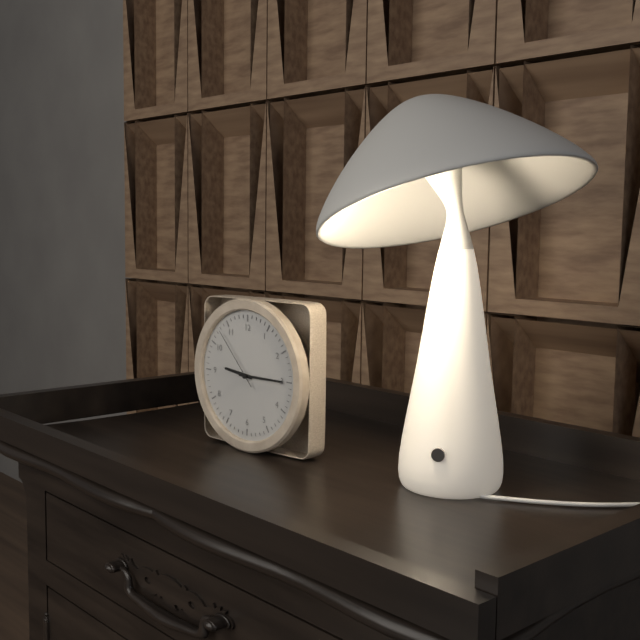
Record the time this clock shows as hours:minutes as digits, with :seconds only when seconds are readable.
9:15:53
